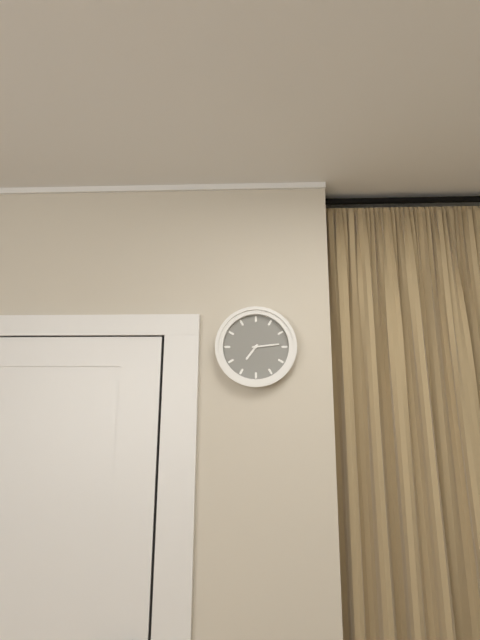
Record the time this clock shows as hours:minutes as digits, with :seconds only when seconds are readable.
7:14
